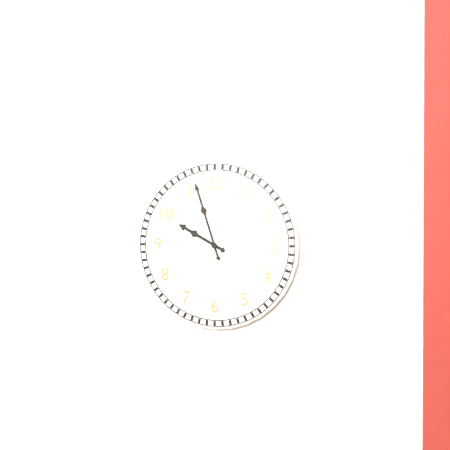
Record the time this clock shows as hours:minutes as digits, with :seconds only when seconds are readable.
9:57
